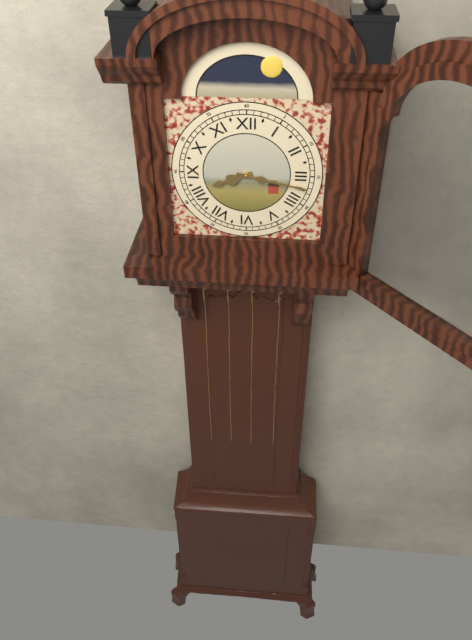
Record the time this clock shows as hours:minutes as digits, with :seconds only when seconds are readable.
8:17
